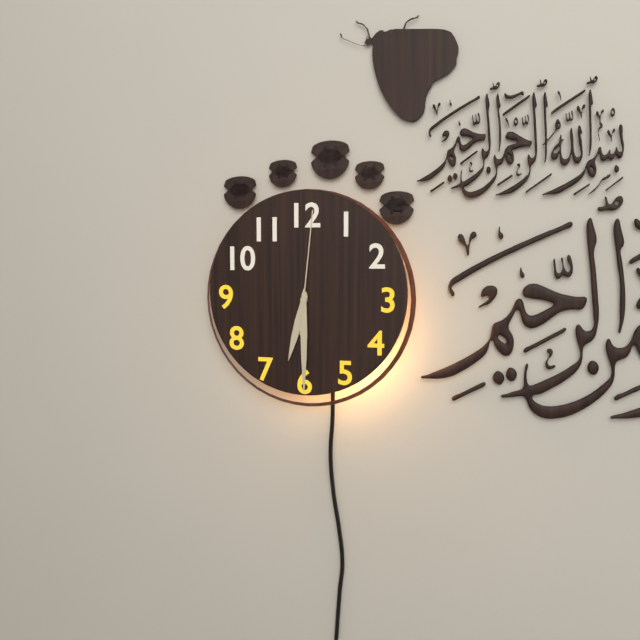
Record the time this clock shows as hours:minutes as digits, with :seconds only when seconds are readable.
6:30:01
